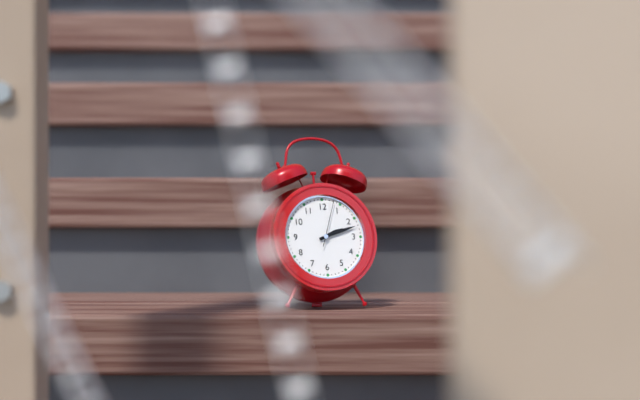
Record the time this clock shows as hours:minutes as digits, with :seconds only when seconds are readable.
2:12
